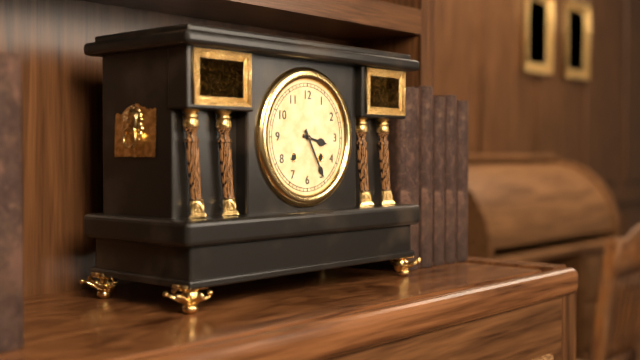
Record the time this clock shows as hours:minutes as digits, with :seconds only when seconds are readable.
3:25
